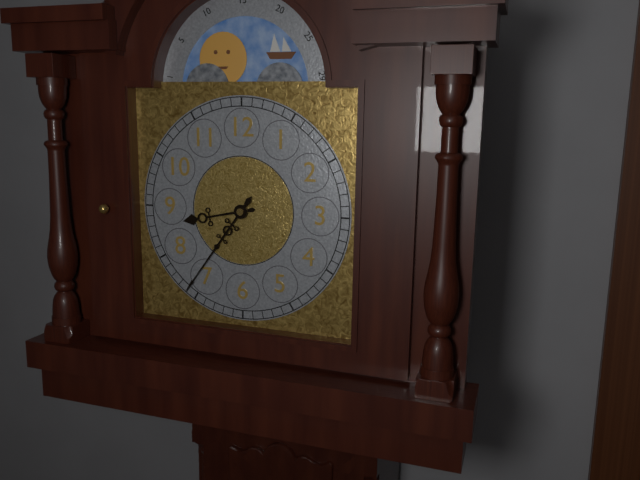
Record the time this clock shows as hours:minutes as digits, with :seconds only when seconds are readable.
8:36
